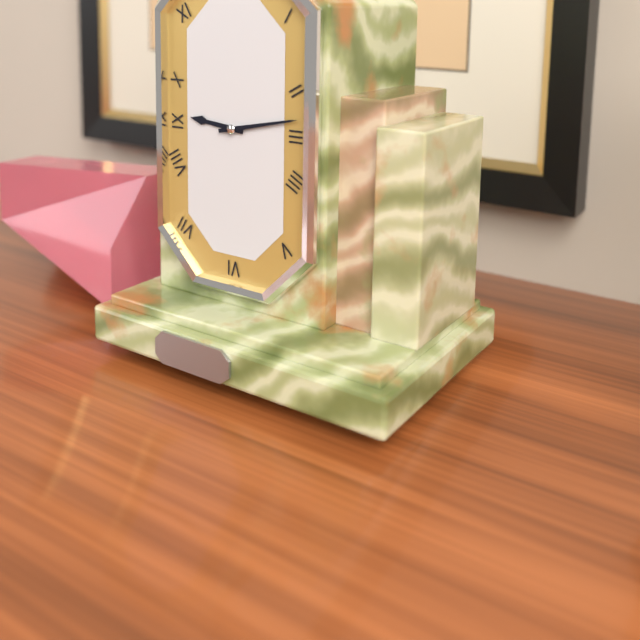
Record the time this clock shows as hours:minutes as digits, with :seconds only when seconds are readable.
9:13
